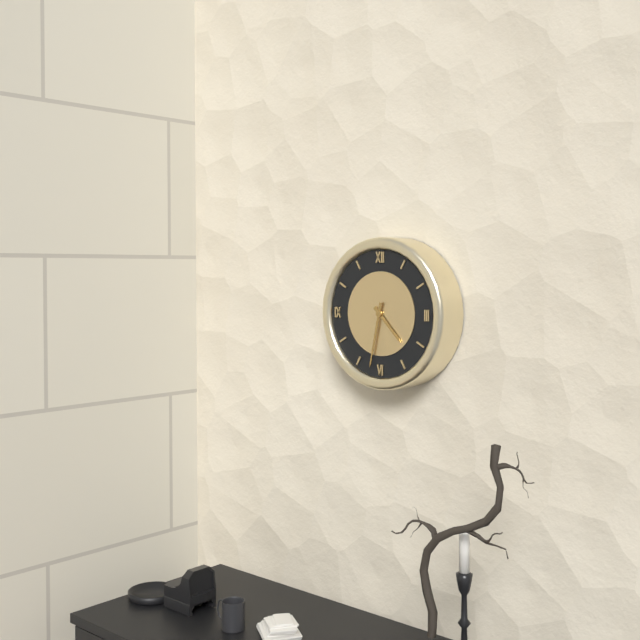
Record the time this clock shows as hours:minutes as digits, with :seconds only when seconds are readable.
4:32
